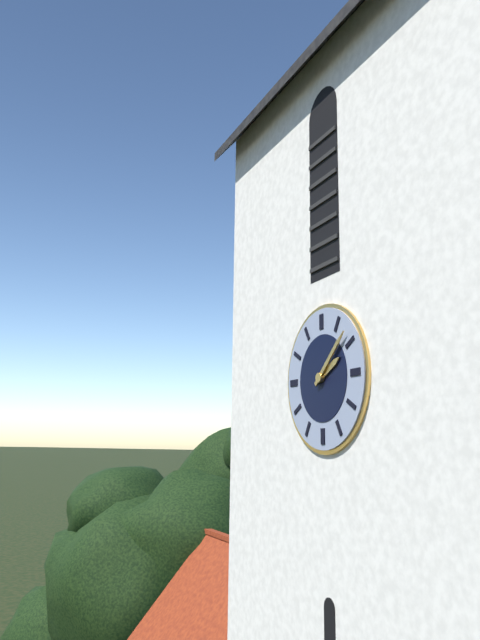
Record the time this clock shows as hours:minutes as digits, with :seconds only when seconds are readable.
2:08
